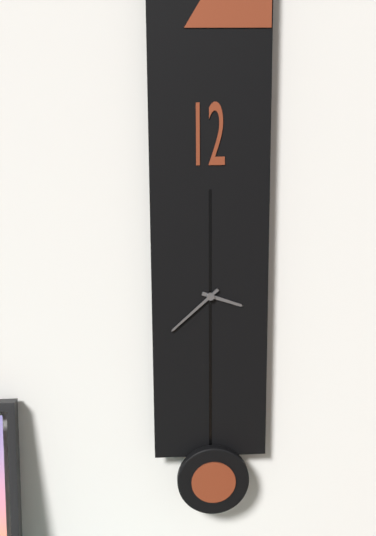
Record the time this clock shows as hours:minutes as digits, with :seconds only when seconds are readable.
3:38
